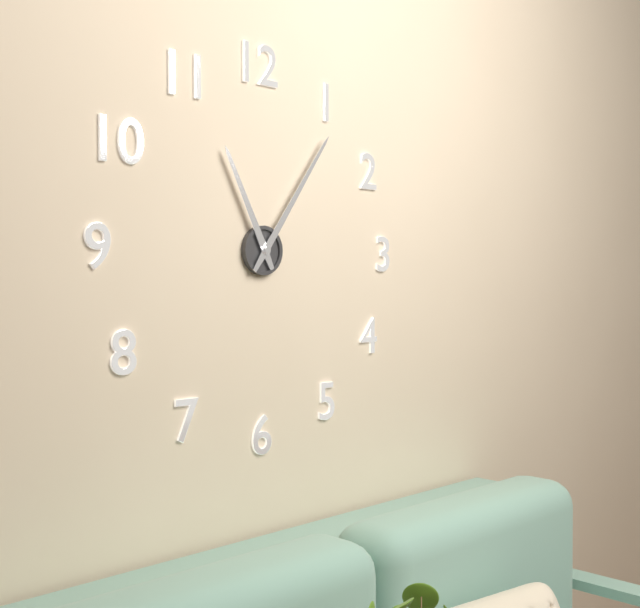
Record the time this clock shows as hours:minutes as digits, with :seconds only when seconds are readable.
11:06
